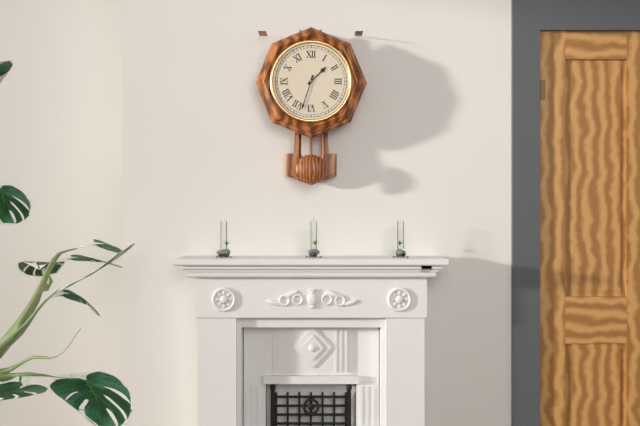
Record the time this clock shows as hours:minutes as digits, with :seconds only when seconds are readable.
1:33
